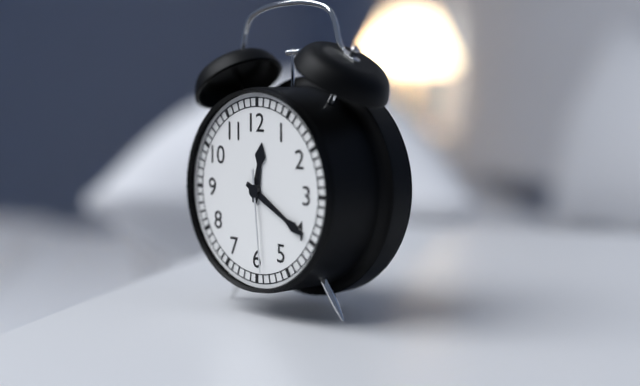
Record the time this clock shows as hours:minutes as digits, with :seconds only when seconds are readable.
12:20:29
